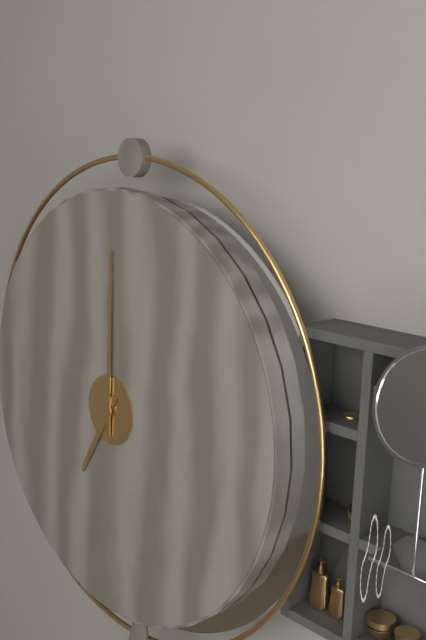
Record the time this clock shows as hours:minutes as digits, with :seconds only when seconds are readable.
7:00
